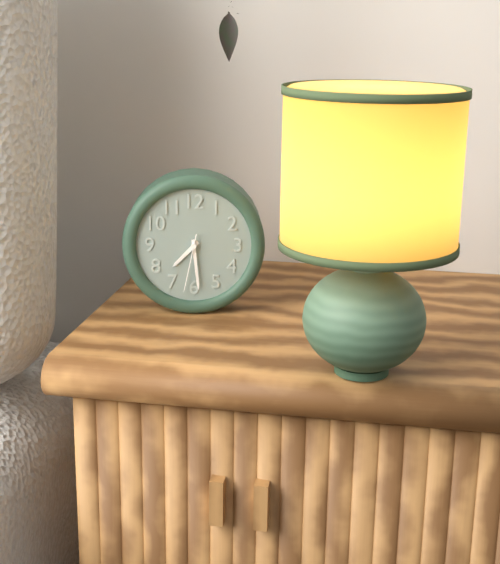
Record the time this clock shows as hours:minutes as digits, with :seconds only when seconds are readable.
7:29:32
